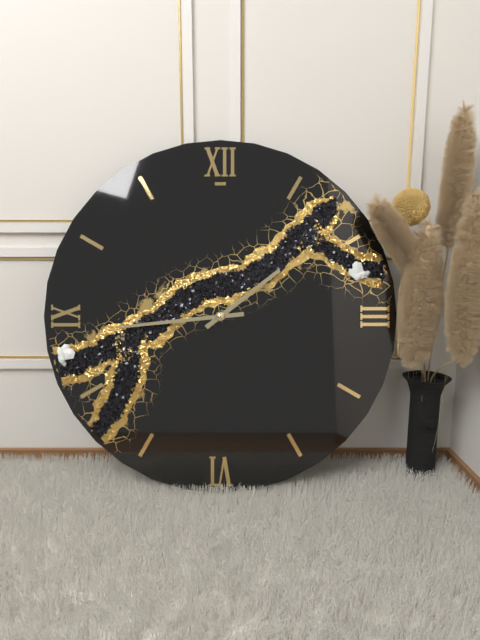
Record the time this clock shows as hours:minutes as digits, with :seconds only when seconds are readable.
1:44
